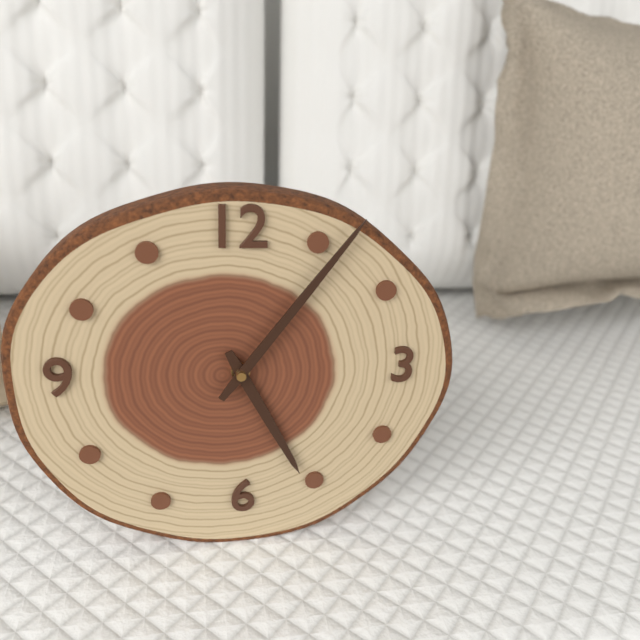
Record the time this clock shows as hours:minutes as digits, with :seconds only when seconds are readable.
5:06
